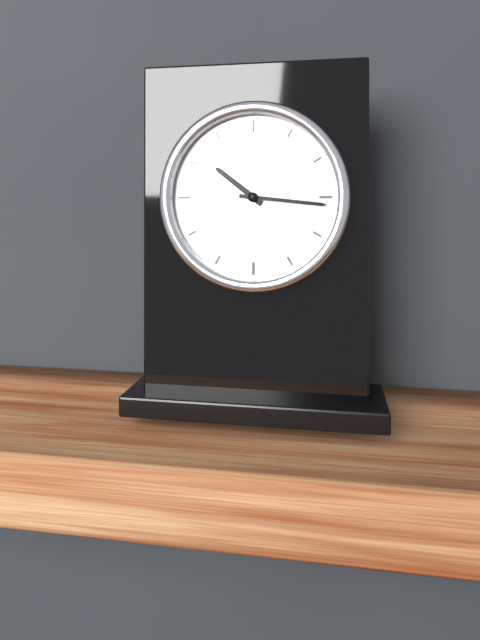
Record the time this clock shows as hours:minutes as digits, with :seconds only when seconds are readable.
10:16
